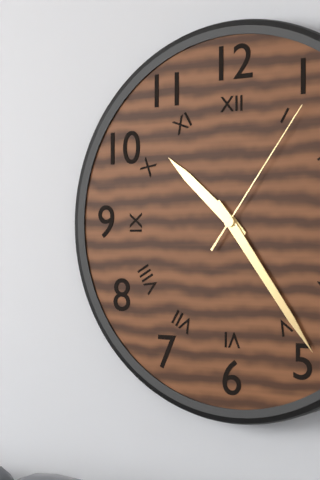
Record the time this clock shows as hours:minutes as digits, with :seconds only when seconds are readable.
10:24:06
